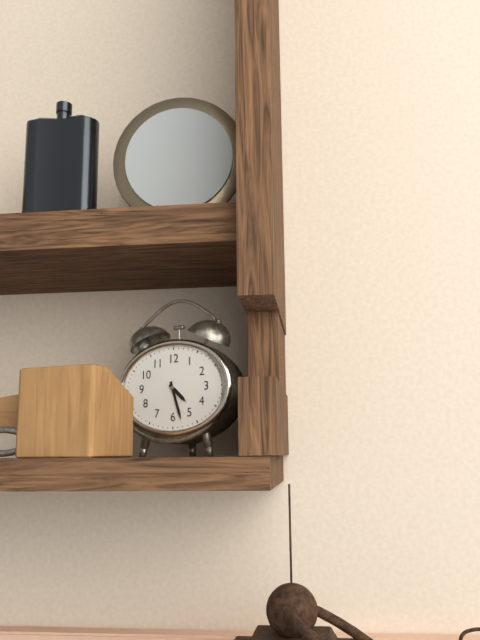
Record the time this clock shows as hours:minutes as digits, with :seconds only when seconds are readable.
4:27
